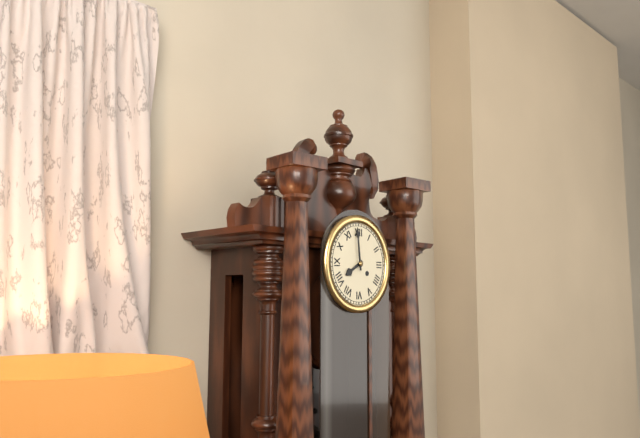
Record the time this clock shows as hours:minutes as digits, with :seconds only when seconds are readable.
7:59
